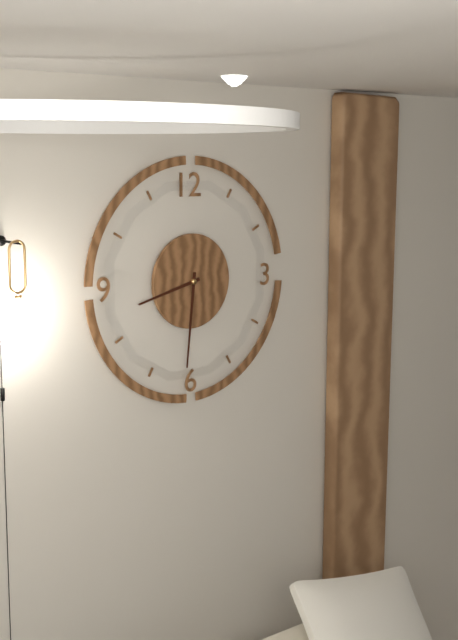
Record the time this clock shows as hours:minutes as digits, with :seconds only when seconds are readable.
8:31
